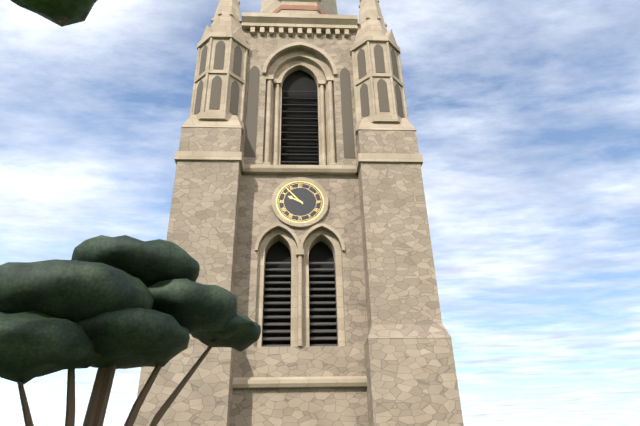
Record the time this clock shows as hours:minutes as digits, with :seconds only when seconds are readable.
9:53
